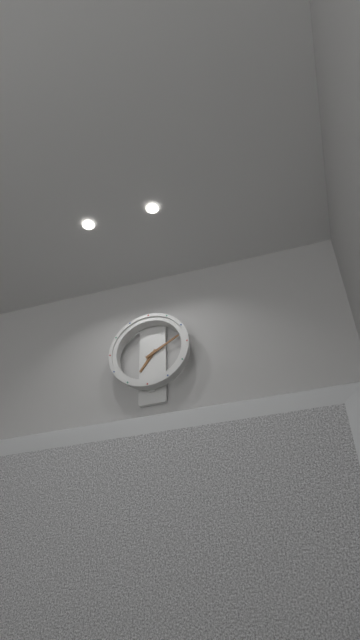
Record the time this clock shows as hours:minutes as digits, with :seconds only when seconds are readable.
7:10
